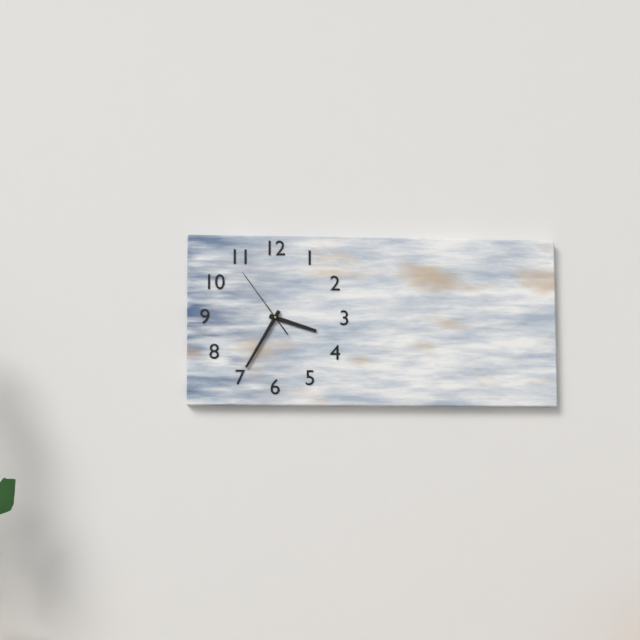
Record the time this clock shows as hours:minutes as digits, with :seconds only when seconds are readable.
3:35:54
